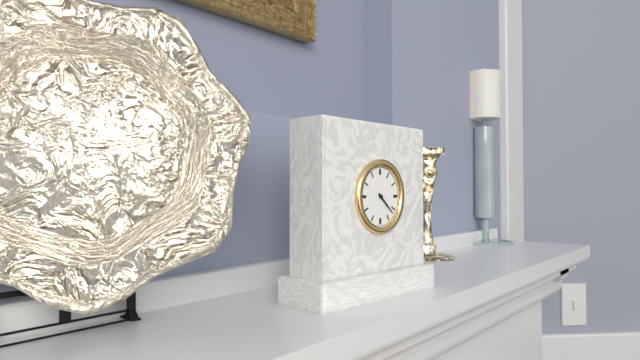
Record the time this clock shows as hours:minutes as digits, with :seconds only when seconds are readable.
4:22
